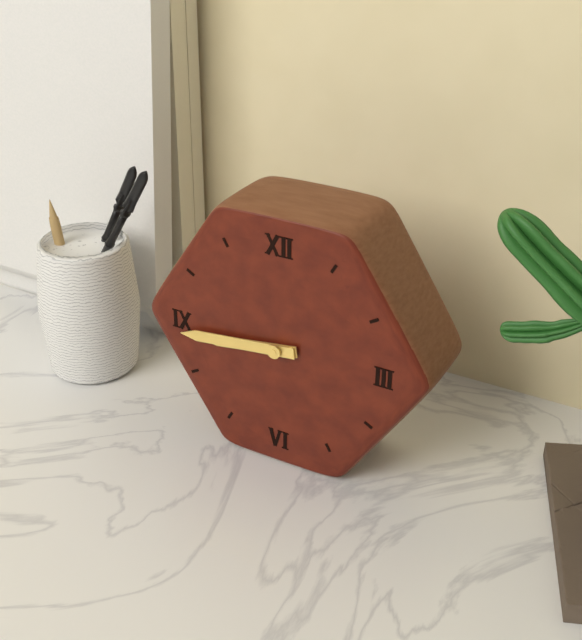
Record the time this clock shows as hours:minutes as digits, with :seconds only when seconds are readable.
8:44
